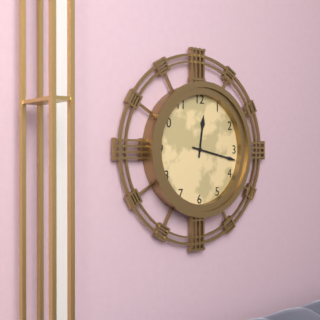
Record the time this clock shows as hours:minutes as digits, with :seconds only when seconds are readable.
12:17
